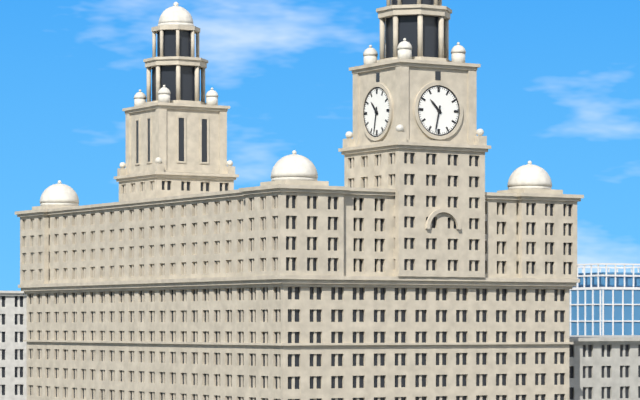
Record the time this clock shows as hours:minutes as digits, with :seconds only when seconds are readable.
10:32
